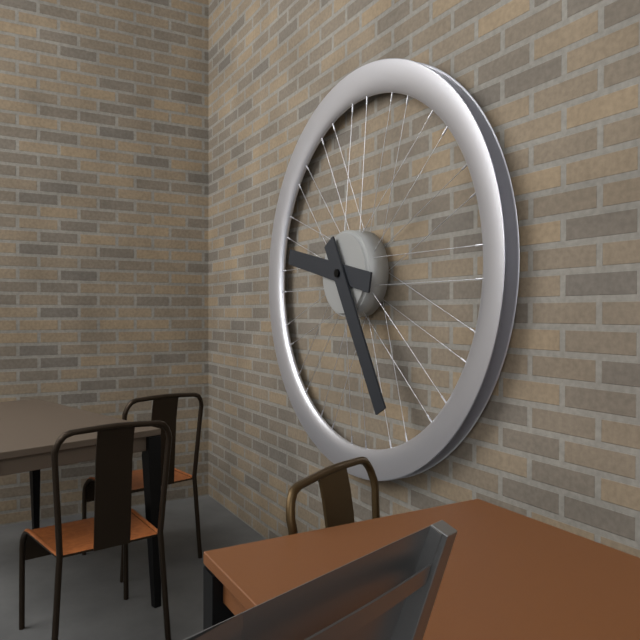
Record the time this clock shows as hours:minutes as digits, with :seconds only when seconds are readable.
9:25
